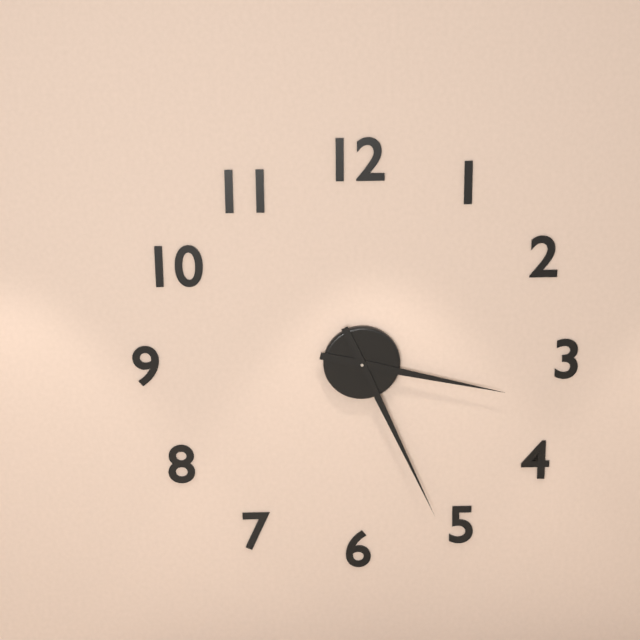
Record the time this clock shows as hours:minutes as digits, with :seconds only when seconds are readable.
3:26
